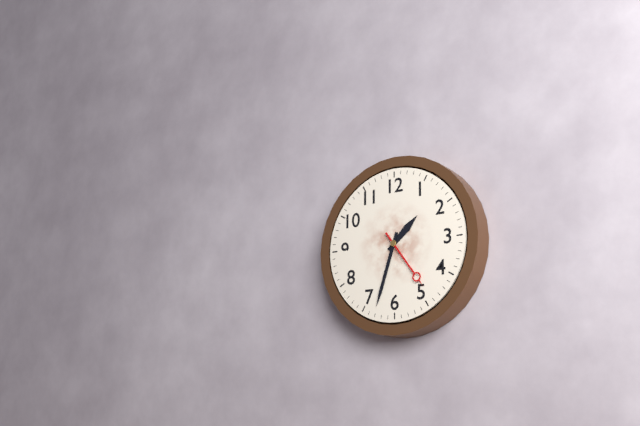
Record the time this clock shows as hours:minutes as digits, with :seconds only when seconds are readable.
1:33:24
